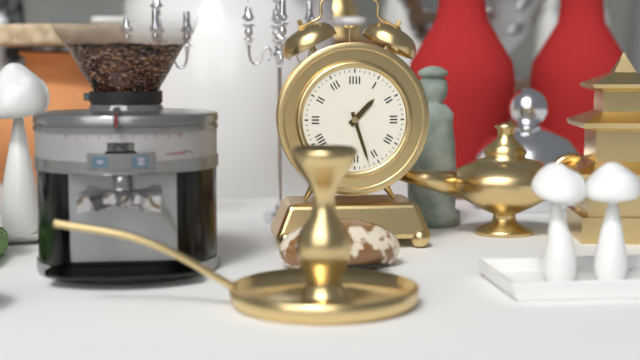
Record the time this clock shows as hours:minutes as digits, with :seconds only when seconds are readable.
1:27
